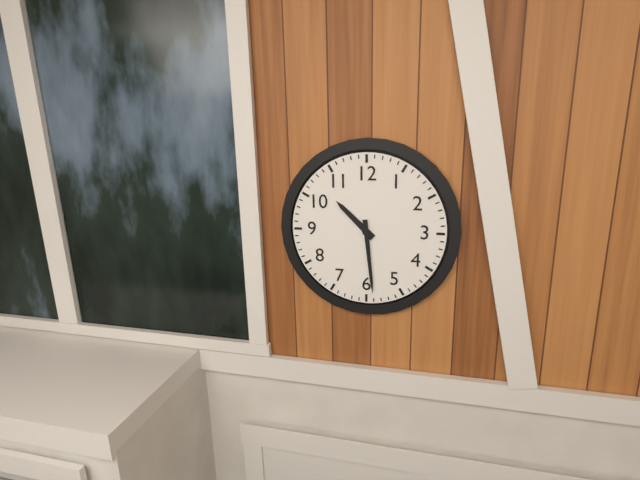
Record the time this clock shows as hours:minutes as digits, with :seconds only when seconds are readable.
10:29
